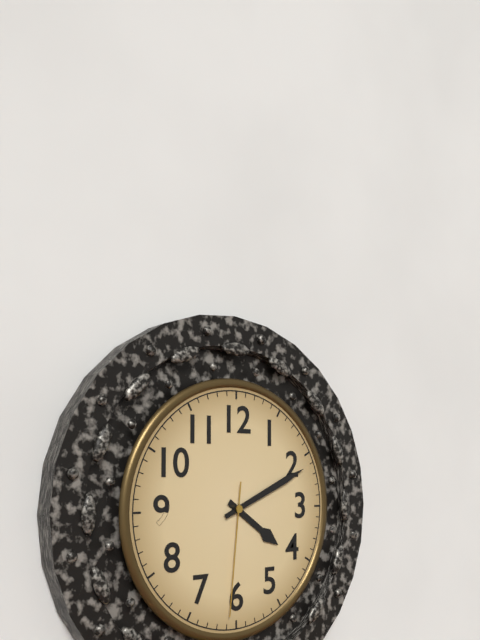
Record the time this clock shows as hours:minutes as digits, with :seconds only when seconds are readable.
4:11:31
